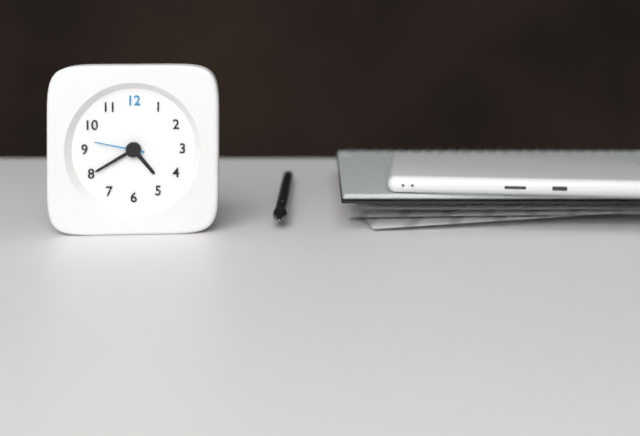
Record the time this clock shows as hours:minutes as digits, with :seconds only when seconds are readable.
4:40:47
